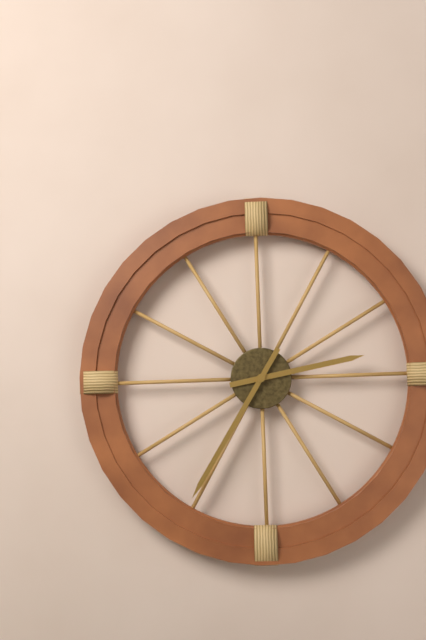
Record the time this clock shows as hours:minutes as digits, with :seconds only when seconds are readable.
2:35
